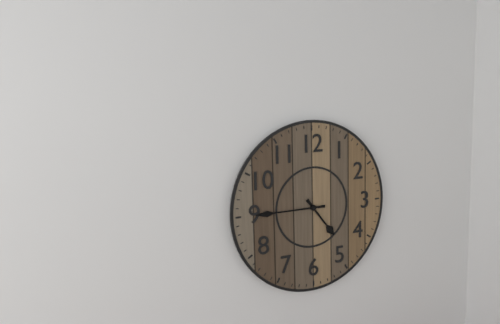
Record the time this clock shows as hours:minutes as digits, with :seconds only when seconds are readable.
4:45
